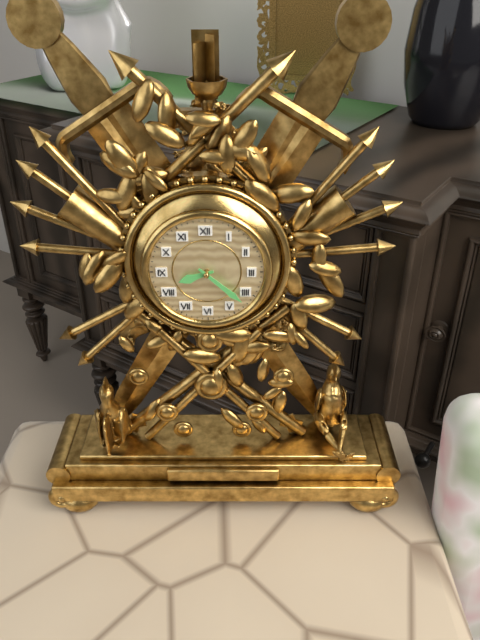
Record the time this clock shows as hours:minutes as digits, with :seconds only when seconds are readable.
8:22
